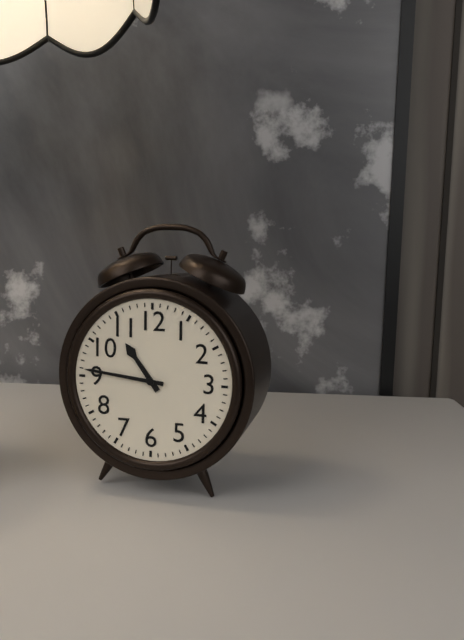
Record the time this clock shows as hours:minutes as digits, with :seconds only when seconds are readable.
10:46
